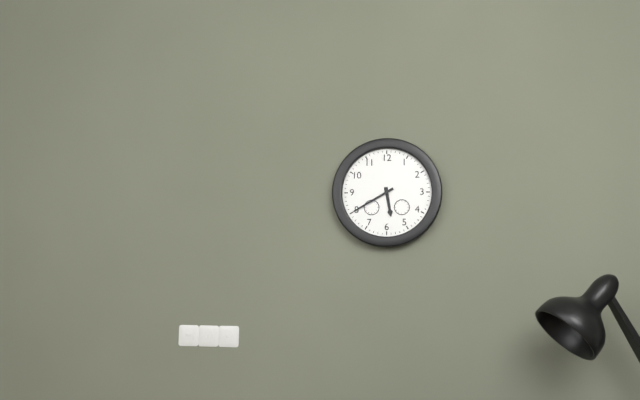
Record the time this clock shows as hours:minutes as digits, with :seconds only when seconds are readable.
5:40
